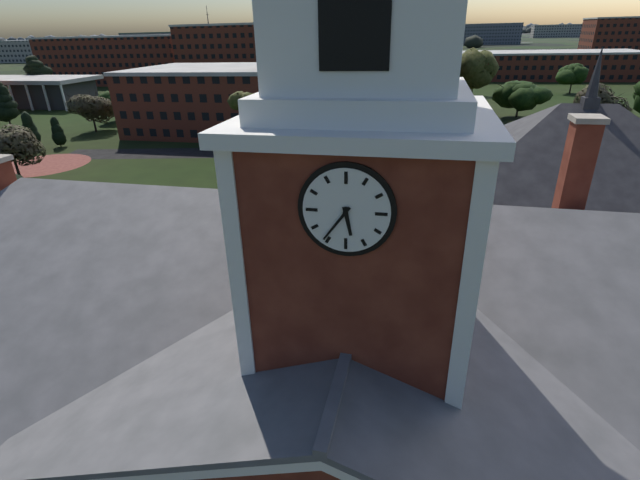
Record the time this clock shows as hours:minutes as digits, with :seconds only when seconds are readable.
5:36
